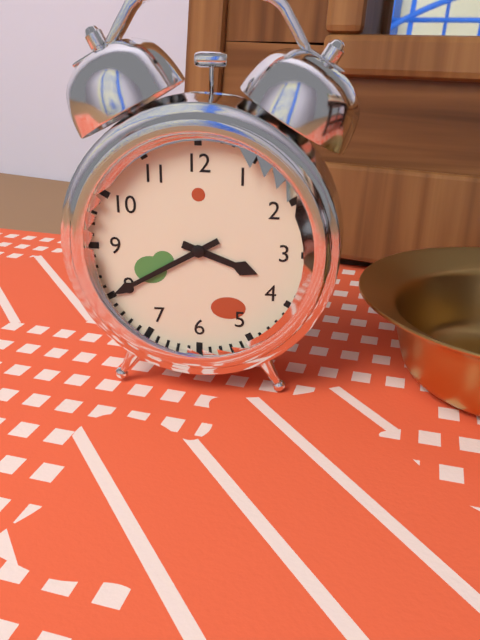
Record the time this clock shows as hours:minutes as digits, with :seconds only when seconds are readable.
3:40
